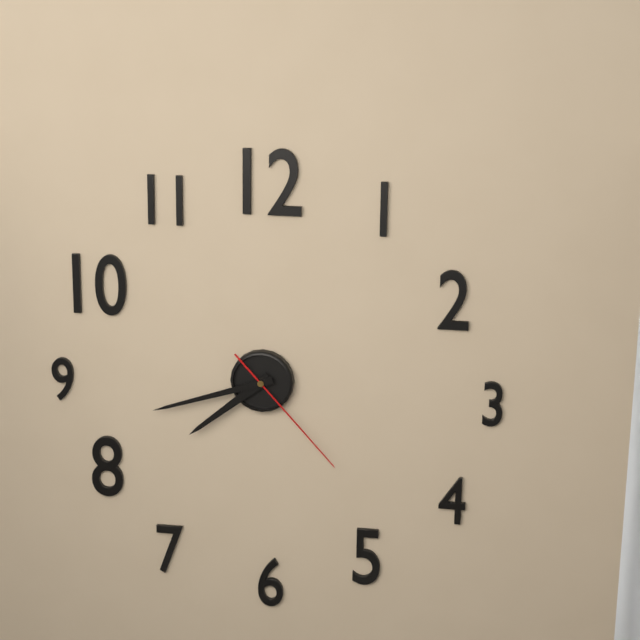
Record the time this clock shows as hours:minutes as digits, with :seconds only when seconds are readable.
7:42:23
